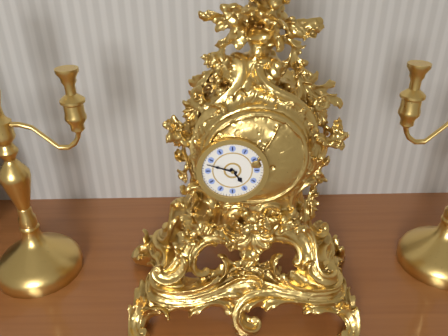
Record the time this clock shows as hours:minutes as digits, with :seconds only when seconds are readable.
4:48
